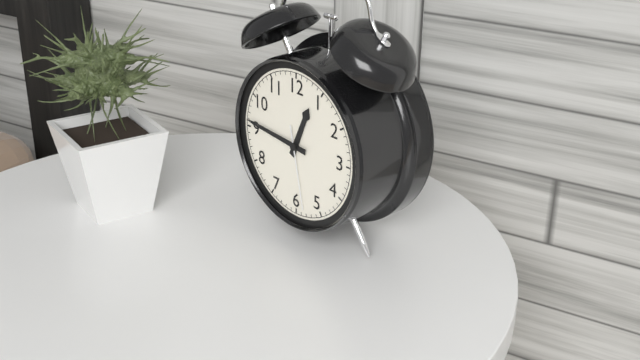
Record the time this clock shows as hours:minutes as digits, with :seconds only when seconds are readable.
12:46:28
